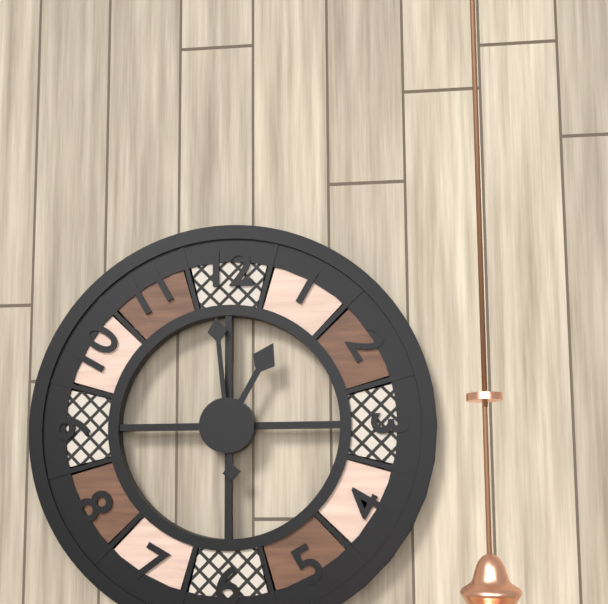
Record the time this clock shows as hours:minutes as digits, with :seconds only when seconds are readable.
12:59
